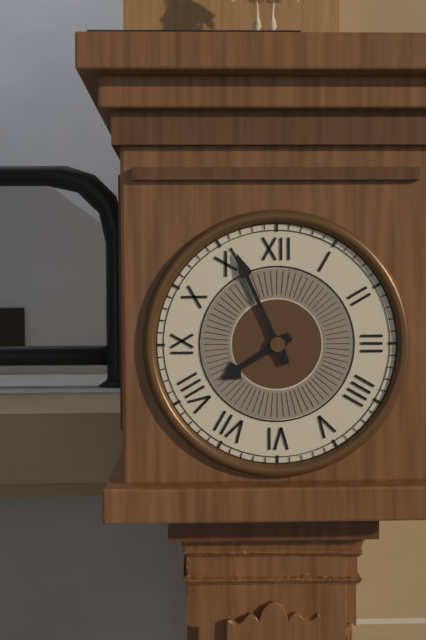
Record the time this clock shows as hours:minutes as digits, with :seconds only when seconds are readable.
7:56
